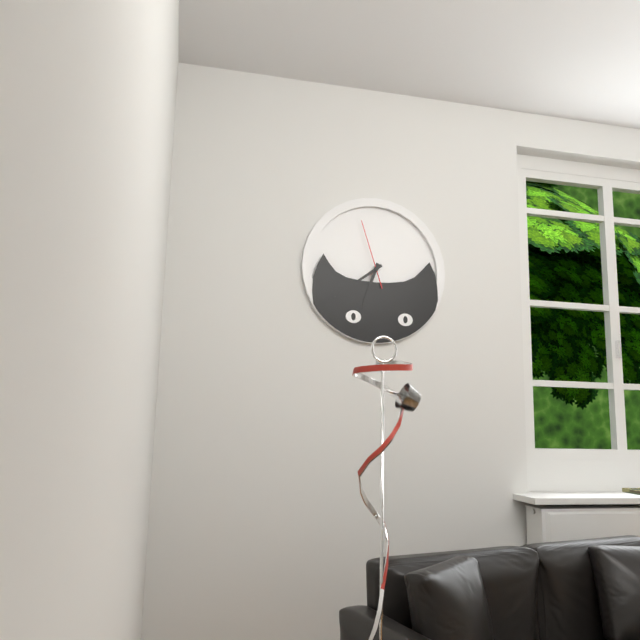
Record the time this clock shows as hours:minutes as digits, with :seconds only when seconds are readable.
6:39:57
